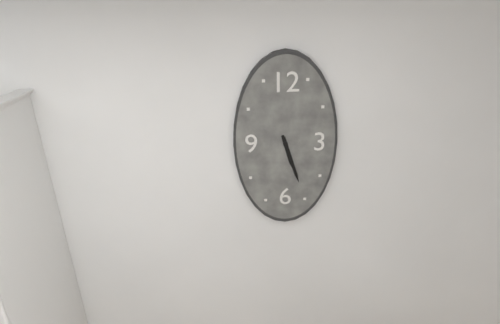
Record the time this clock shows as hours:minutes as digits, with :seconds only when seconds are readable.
5:27
